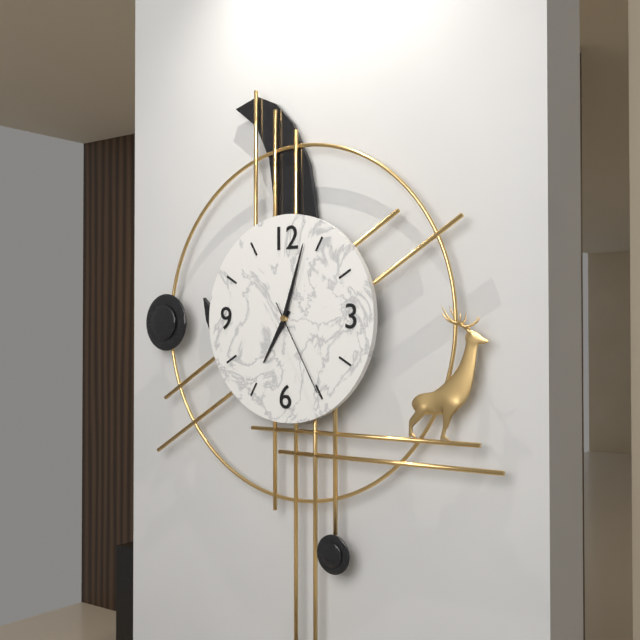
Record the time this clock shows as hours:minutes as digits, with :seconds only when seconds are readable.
7:03:25
